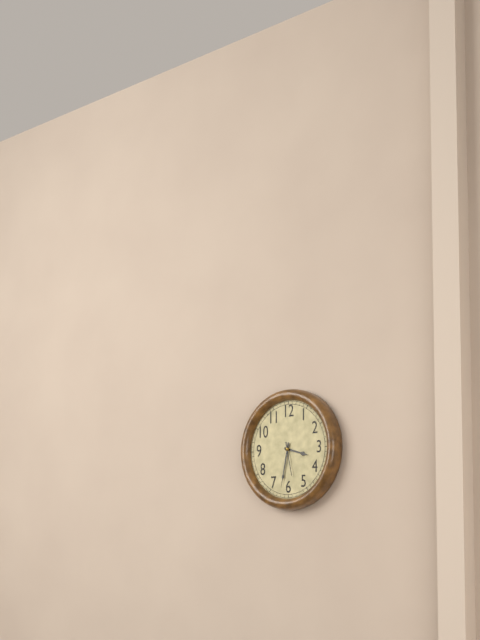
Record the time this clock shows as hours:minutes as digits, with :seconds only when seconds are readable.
3:32
